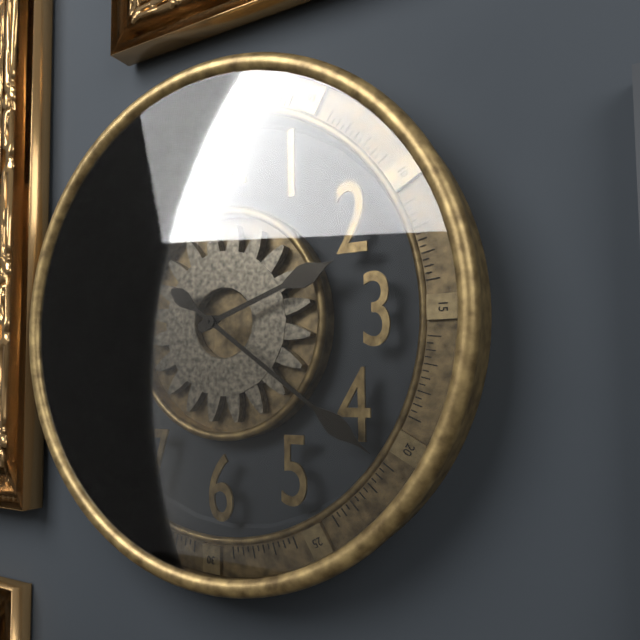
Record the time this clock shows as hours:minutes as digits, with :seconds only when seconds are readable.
2:21
